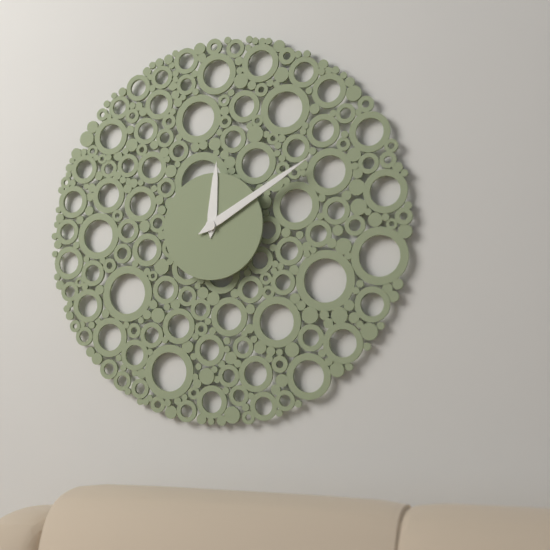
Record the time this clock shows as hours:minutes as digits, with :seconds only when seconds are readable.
12:10
